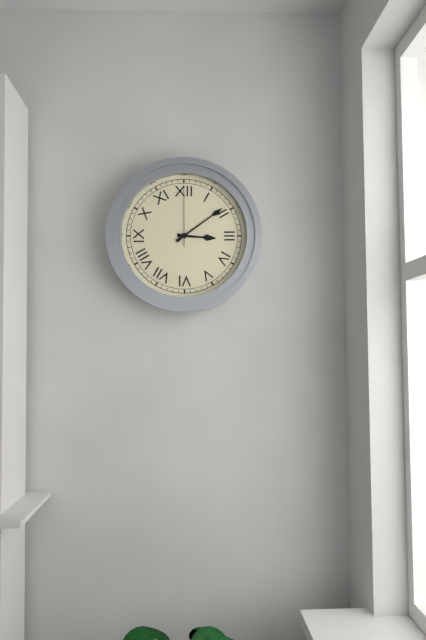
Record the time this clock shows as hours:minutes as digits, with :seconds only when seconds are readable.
3:09:00
